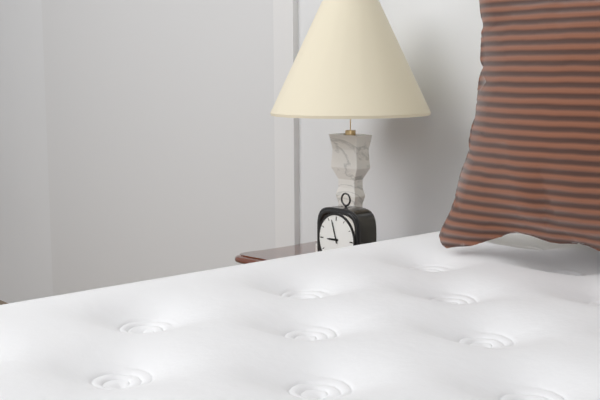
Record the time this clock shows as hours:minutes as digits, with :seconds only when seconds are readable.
8:57
